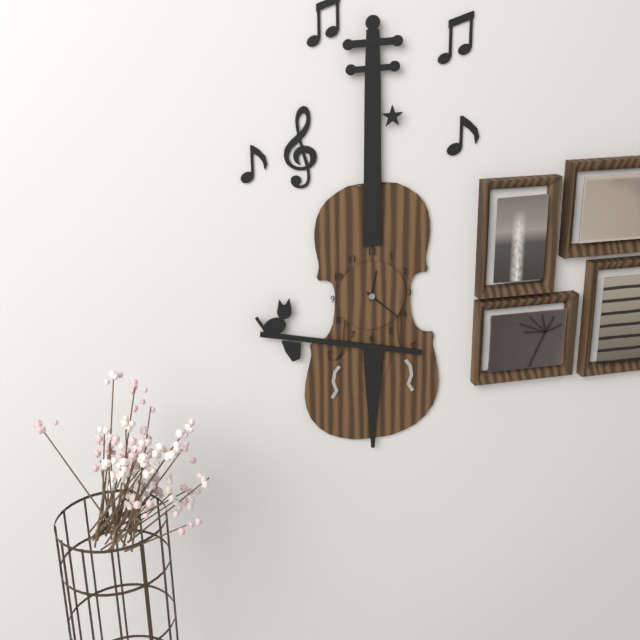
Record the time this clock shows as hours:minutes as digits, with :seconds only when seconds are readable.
12:22
